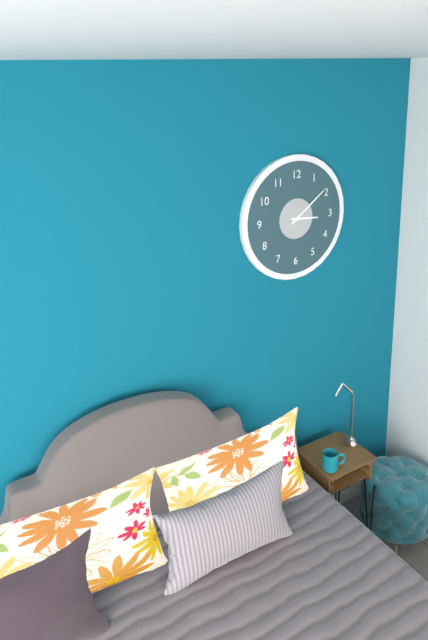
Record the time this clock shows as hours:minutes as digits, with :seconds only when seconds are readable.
3:09
